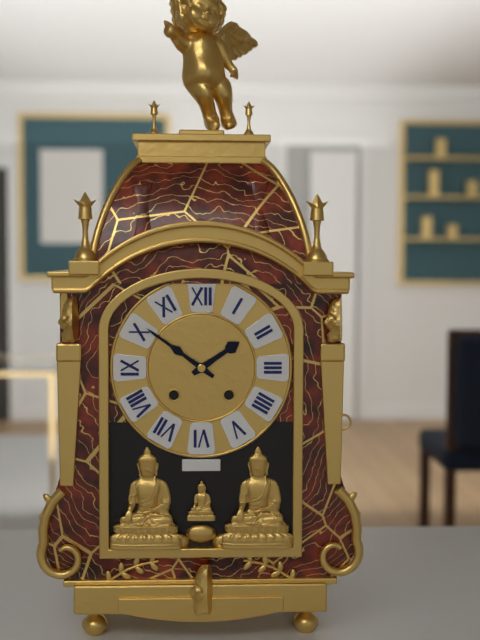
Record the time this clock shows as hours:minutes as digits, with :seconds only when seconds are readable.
1:51
